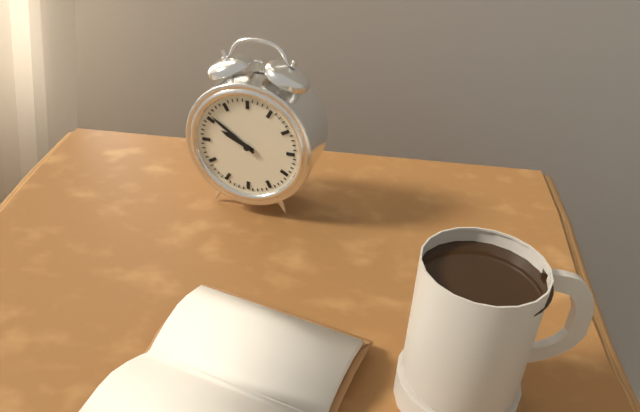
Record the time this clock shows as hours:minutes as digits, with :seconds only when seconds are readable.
9:51
